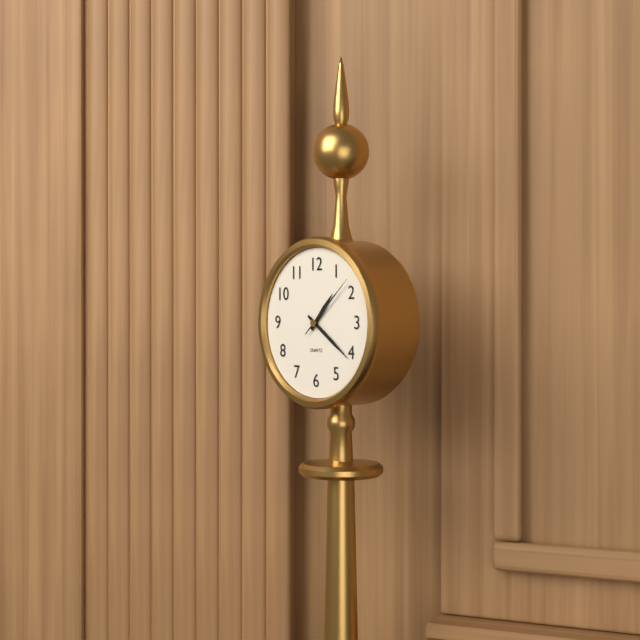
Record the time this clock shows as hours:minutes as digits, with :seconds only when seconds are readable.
1:21:08
